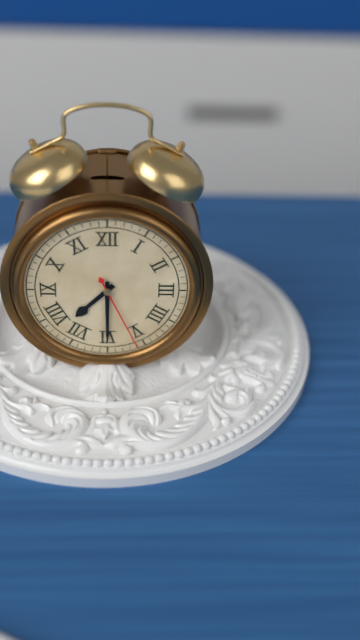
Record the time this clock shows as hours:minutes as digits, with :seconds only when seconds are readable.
7:30:26
